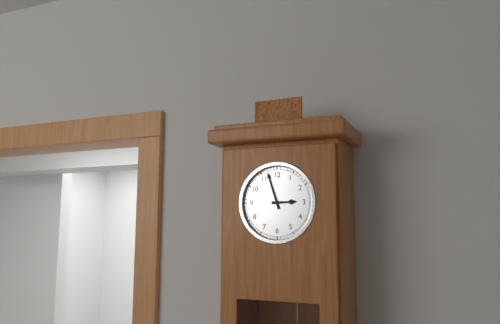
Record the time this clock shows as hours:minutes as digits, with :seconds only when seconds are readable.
2:57
